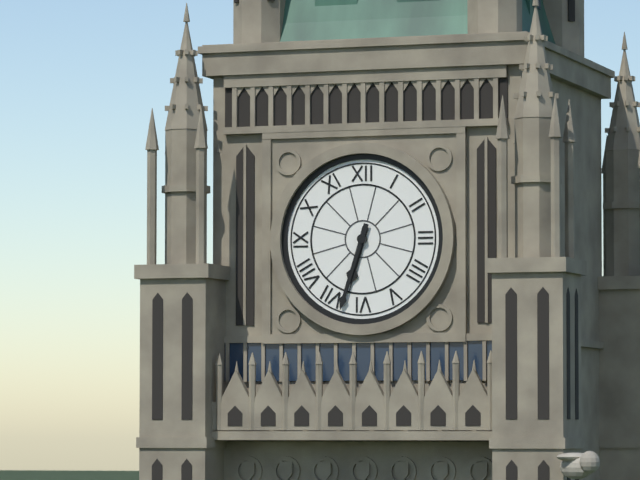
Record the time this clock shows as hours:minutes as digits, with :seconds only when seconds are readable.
6:33
